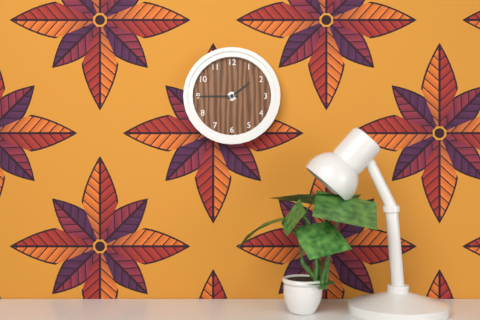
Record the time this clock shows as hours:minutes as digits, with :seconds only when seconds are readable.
1:45
